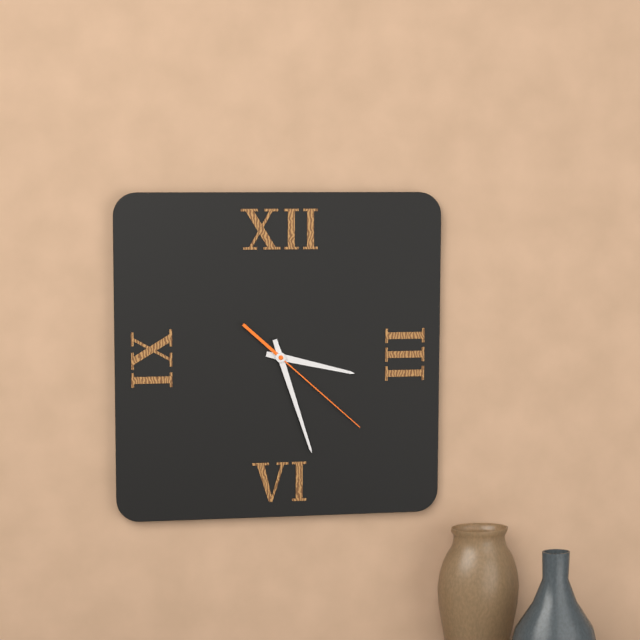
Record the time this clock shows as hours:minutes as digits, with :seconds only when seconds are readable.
3:27:22
